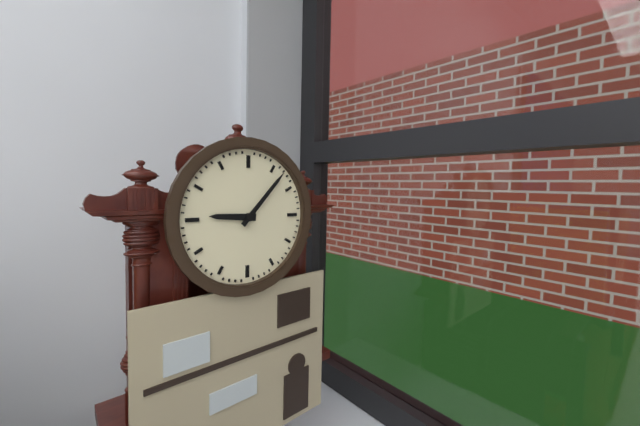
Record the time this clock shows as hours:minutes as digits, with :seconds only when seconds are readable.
9:07
